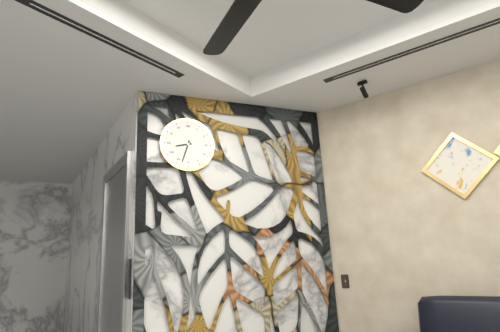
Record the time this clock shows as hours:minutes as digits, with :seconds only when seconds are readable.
8:33
